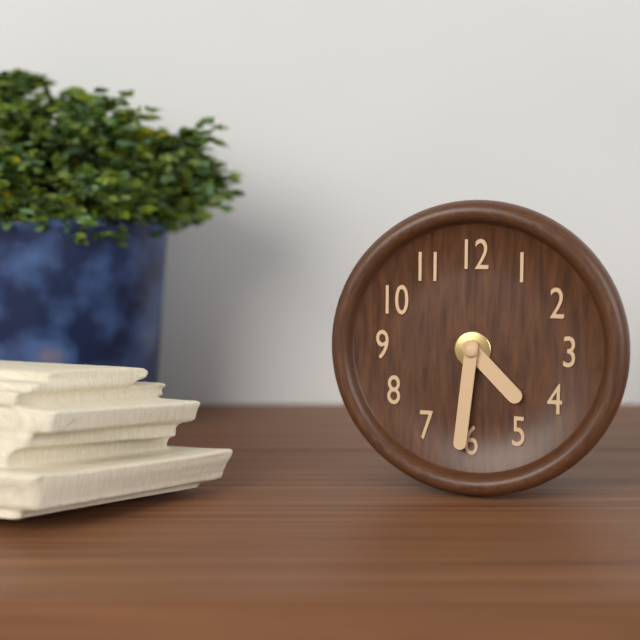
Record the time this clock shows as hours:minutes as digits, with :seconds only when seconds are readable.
4:31
